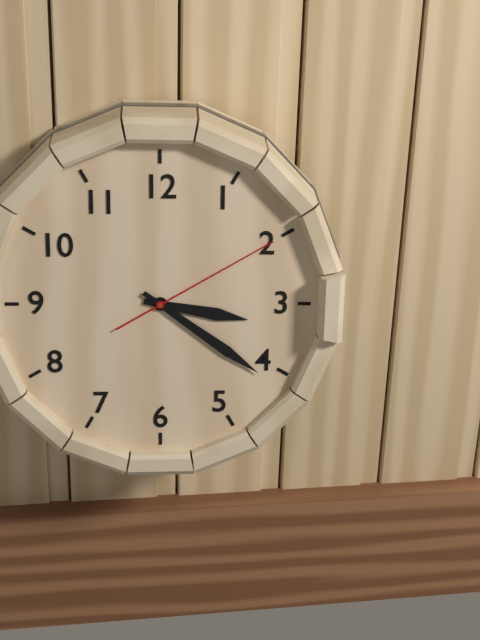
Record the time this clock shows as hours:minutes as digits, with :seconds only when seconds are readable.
3:21:10
